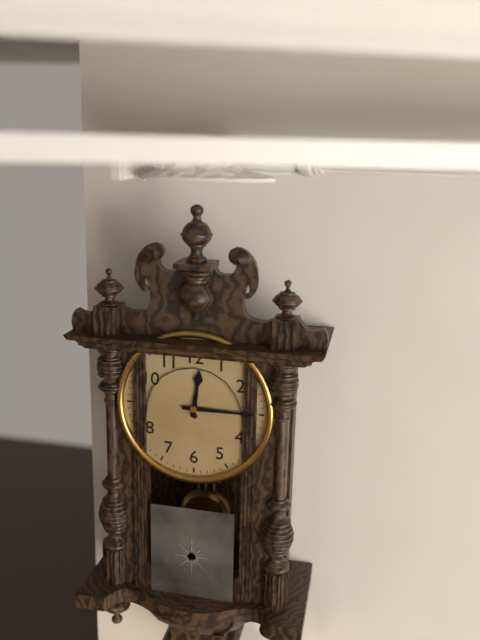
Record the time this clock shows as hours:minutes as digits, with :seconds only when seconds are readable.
12:15
